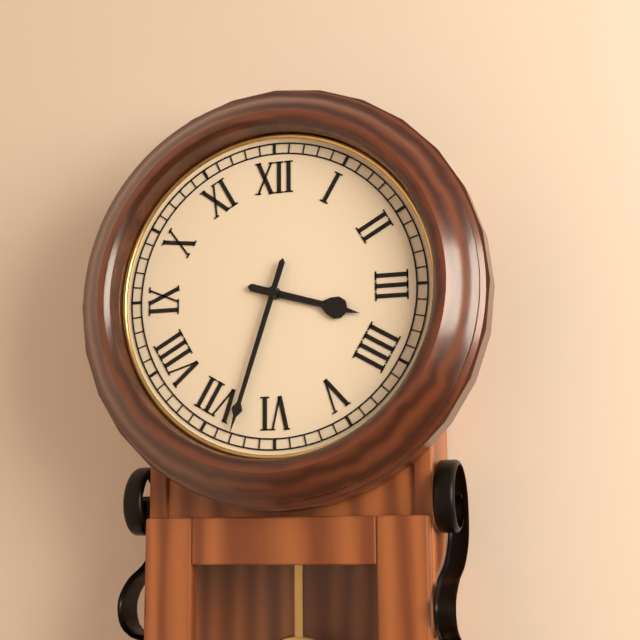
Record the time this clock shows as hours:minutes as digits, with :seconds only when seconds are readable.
3:33
